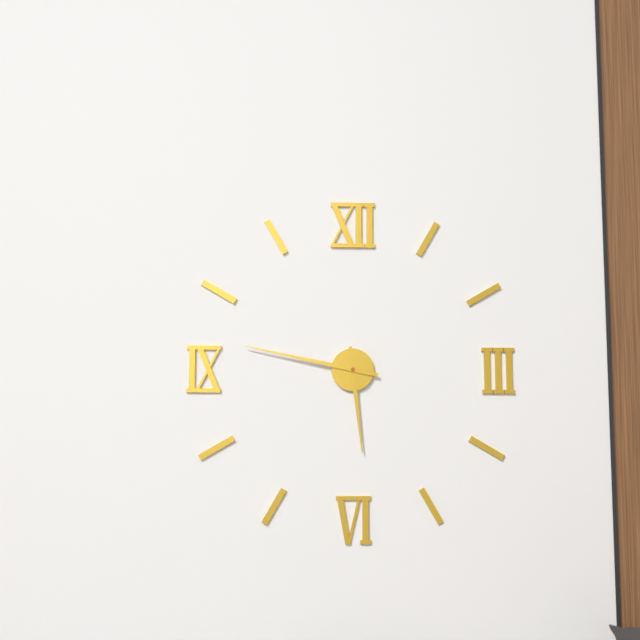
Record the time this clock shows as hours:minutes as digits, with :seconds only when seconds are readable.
5:47
